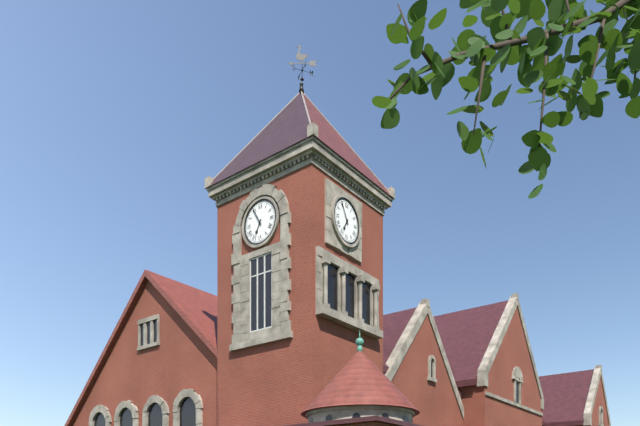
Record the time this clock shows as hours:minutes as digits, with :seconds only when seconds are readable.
6:55
